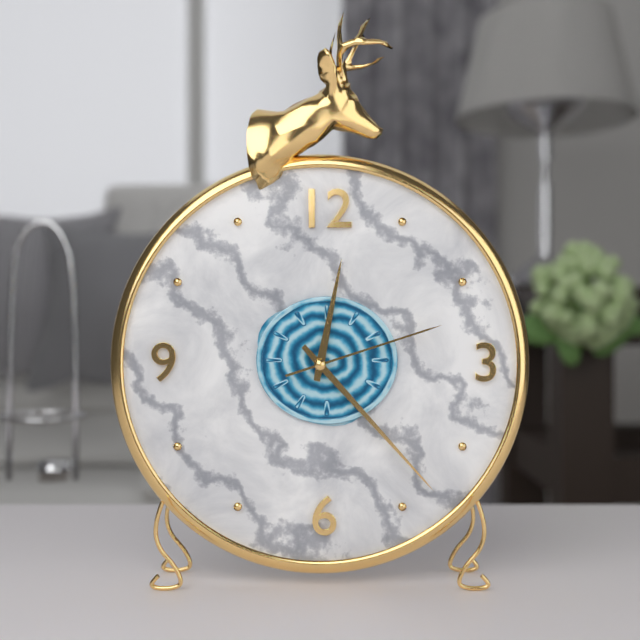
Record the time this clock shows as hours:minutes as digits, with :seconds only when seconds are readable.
12:23:12
